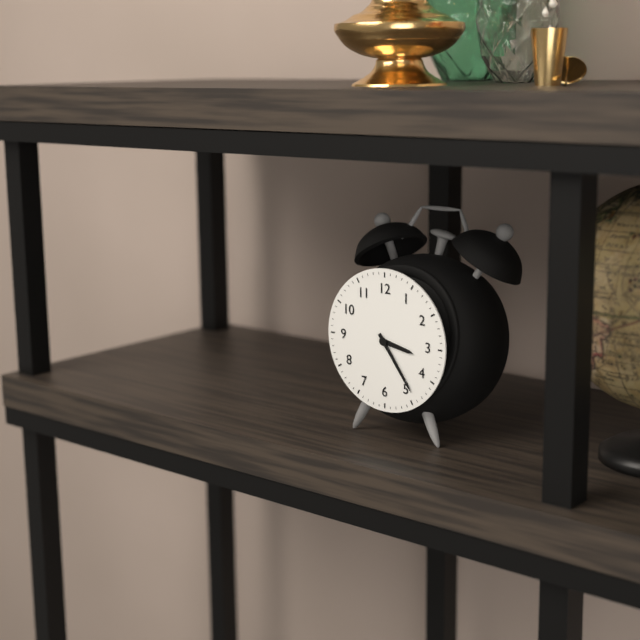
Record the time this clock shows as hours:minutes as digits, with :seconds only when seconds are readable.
3:24
